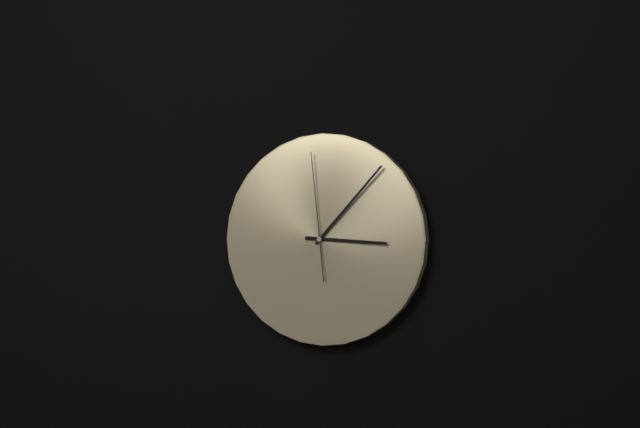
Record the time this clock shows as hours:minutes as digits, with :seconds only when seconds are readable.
3:07:59
